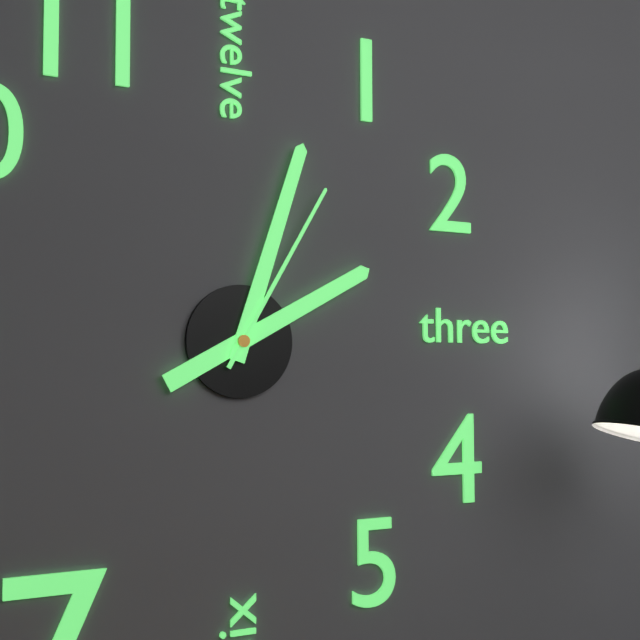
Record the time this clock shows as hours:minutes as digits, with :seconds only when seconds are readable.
2:03:05
